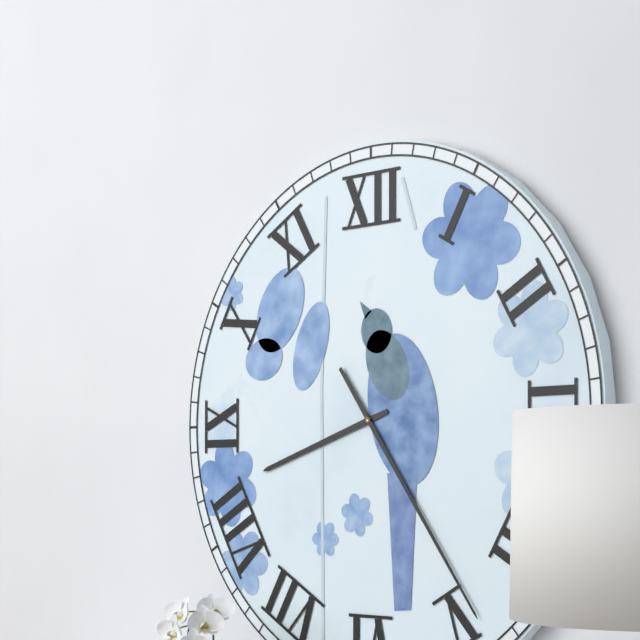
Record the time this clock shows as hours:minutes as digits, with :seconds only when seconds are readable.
8:24
